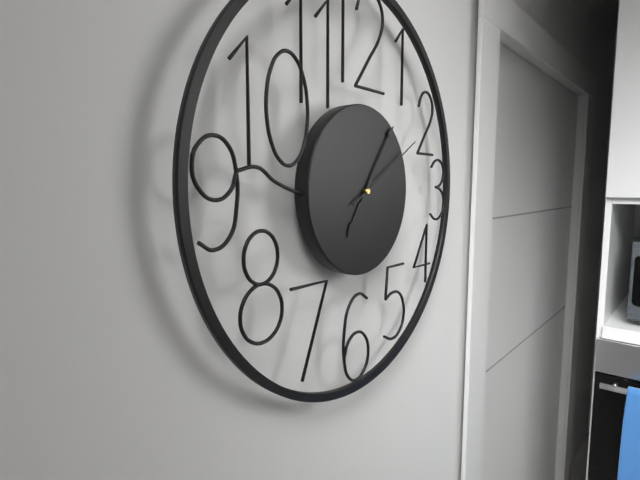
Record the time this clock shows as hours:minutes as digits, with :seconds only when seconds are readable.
7:06:10
